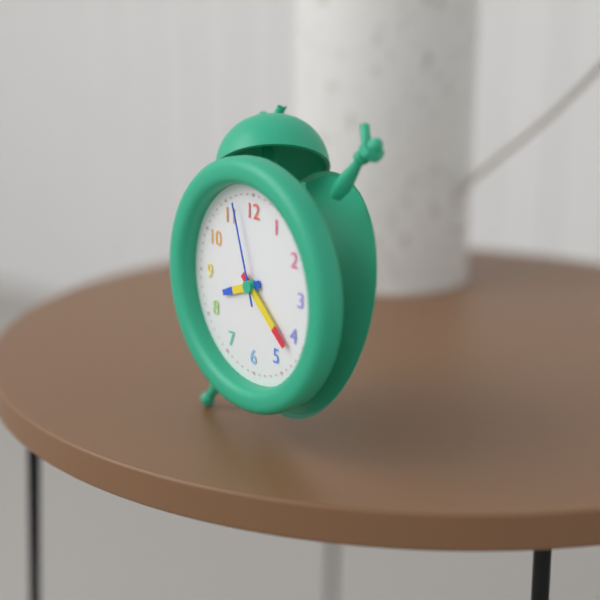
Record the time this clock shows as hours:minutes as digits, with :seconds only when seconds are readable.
8:22:57
